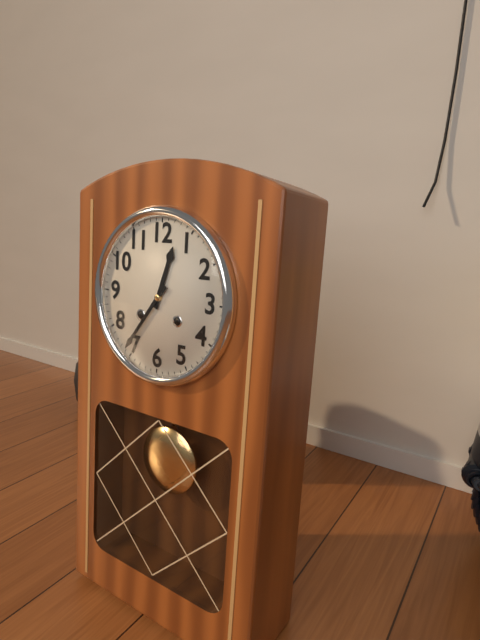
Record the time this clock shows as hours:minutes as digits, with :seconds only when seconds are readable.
12:36
